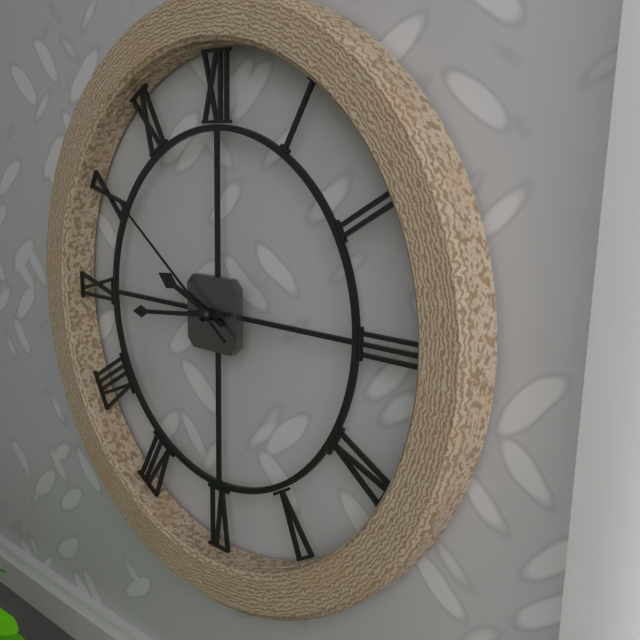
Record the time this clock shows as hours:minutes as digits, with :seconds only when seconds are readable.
9:44:51
